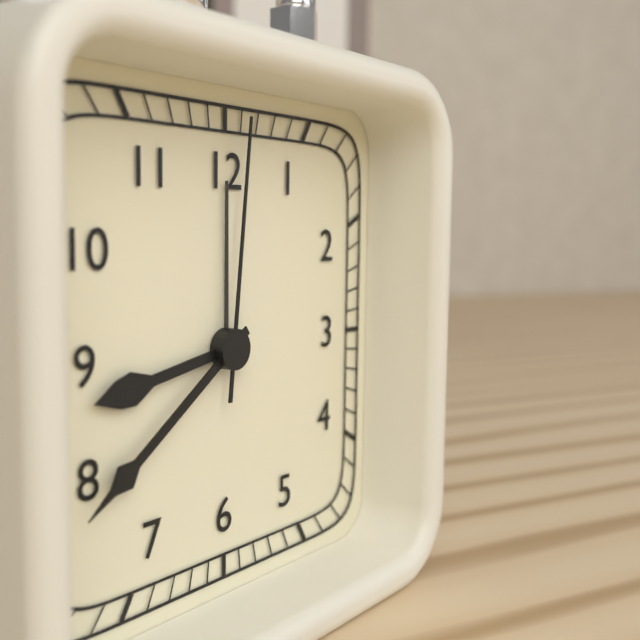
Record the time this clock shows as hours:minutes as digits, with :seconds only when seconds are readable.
8:39:01
